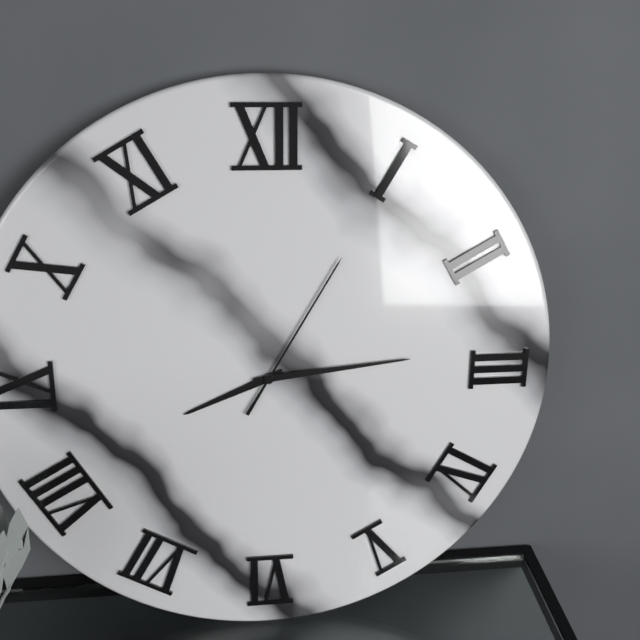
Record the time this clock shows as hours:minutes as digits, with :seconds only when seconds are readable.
8:14:05
